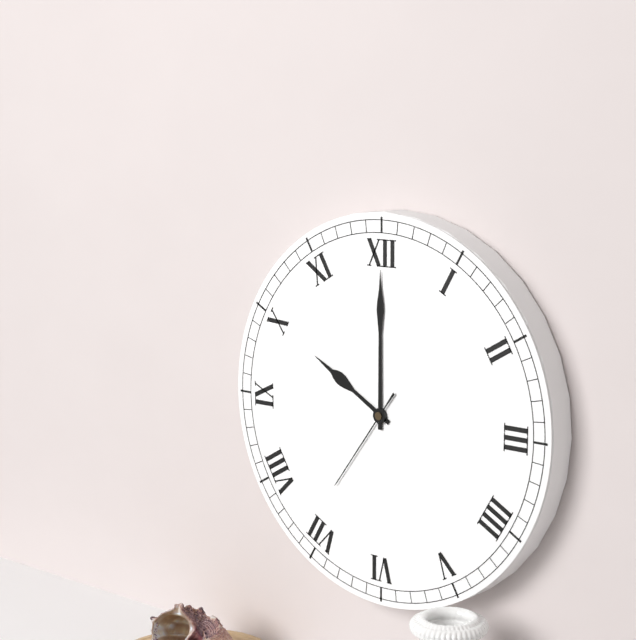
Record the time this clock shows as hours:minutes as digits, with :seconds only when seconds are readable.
10:00:36
